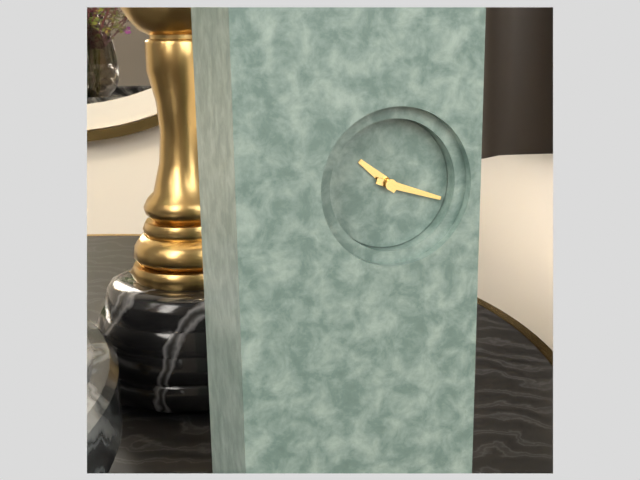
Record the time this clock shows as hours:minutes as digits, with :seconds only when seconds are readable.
10:18
